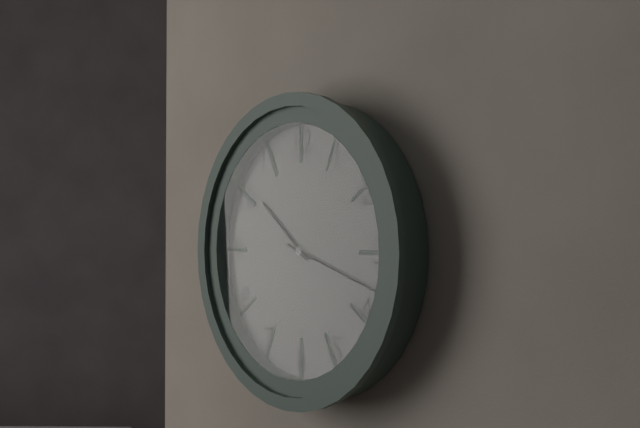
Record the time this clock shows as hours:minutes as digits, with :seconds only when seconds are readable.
10:18
